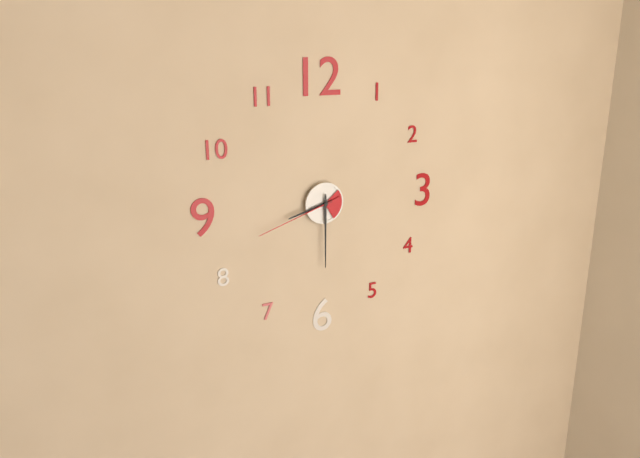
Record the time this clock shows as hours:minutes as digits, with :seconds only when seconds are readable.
8:30:42
